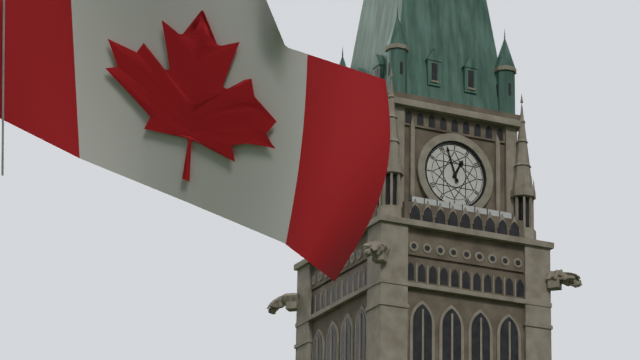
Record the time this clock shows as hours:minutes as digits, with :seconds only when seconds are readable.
12:57
